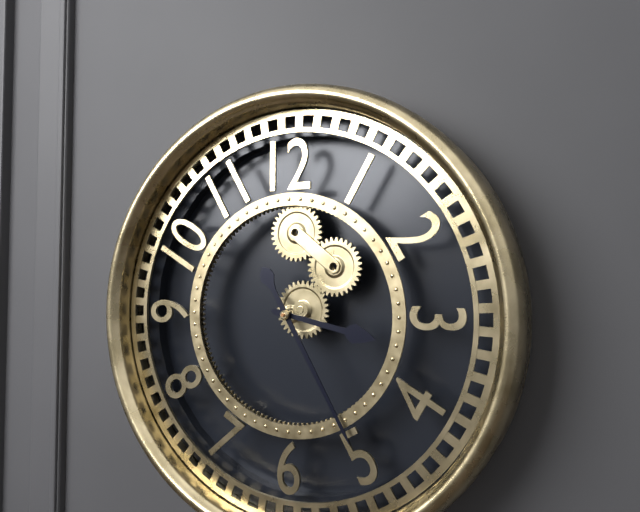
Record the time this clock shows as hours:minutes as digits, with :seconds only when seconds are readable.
3:25
